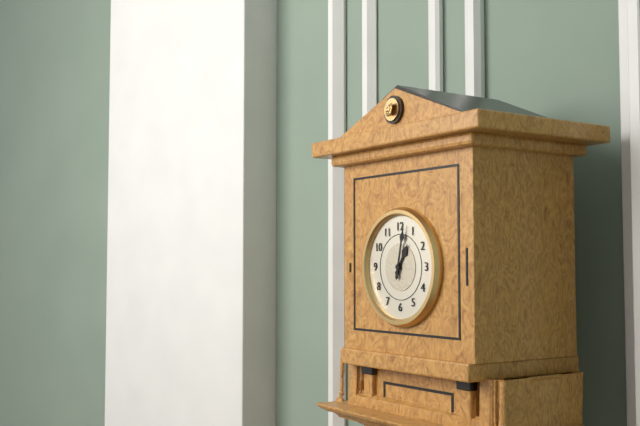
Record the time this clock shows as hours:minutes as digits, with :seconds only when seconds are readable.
1:02
